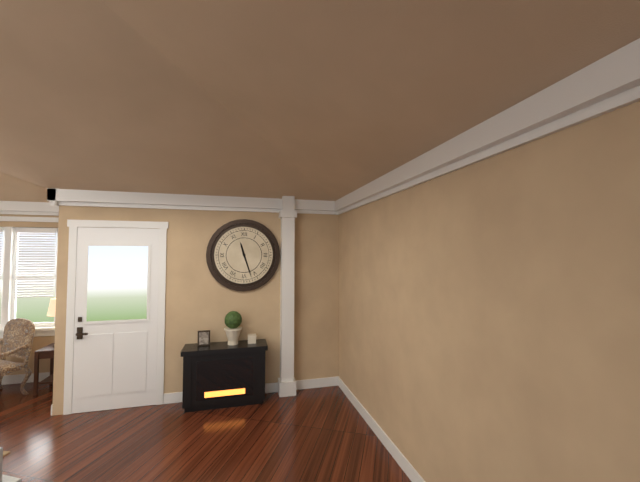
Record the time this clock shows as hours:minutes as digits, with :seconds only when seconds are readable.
11:27
